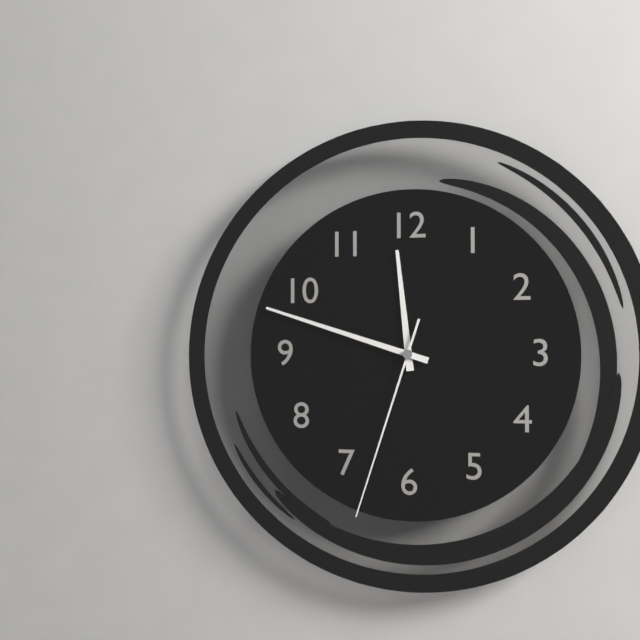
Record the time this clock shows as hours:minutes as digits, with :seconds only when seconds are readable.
11:48:33
